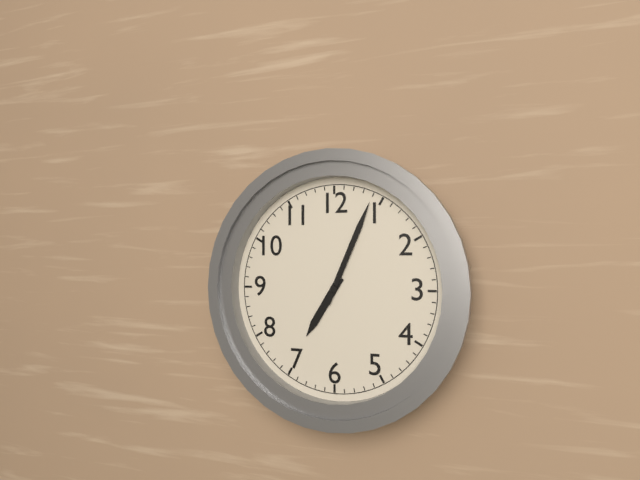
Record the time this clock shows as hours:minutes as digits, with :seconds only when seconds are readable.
7:04
